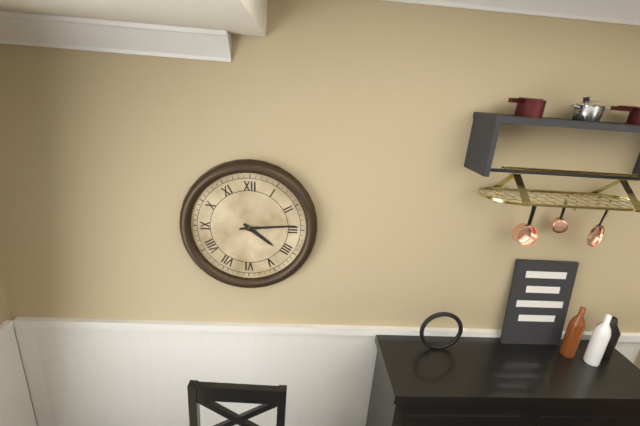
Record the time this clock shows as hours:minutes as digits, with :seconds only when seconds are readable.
4:14
